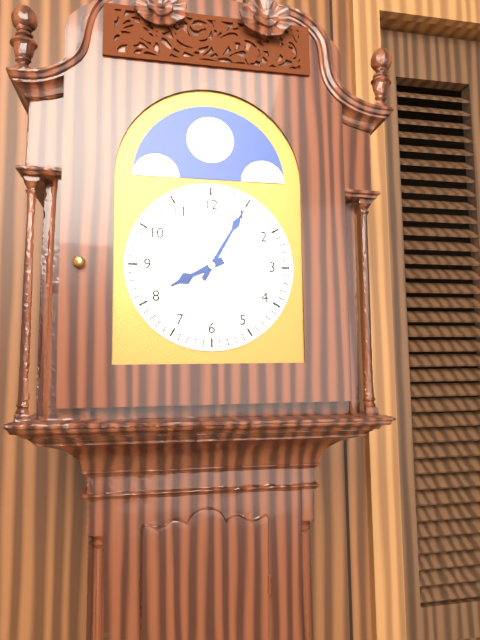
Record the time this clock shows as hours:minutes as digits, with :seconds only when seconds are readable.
8:05
